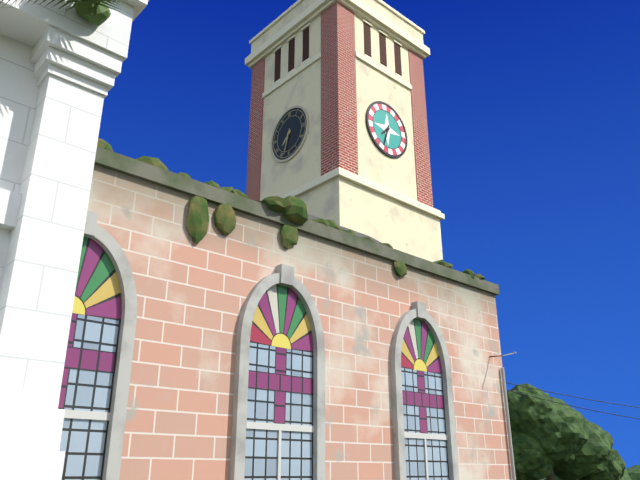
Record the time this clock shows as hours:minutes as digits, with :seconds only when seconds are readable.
7:33
